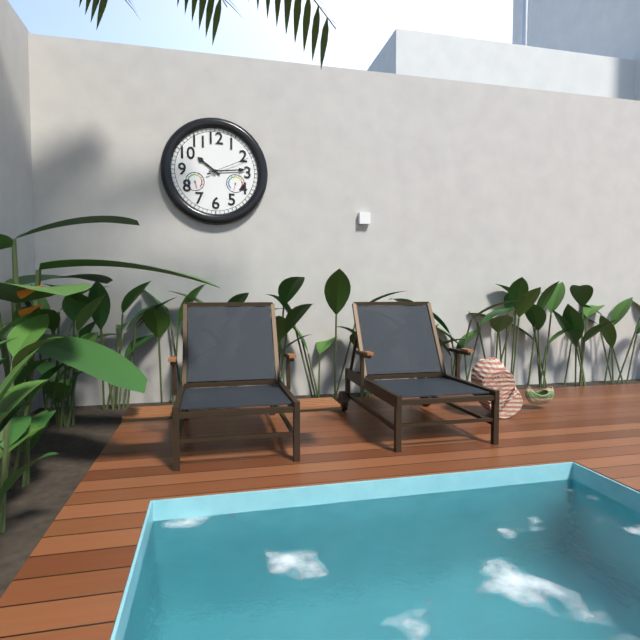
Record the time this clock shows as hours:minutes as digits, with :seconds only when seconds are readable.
10:14
